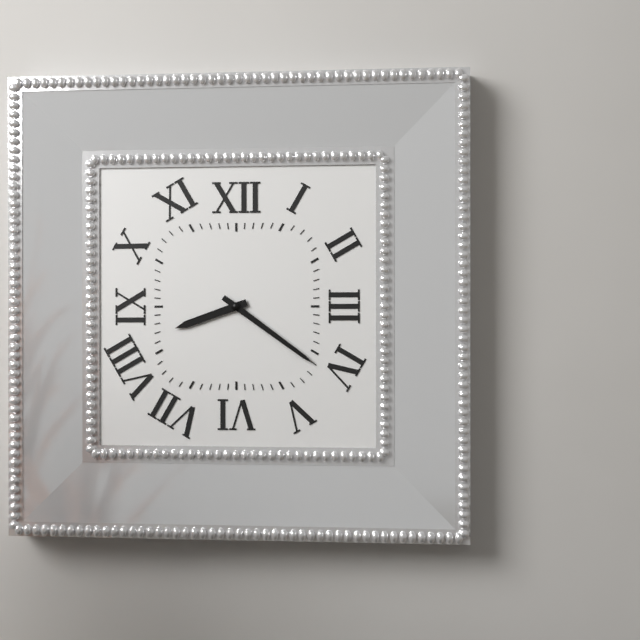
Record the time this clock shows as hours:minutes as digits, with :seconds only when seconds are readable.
8:21
